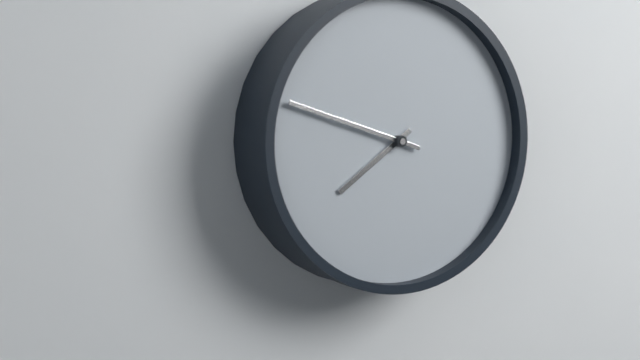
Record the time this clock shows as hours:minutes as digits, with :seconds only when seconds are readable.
7:48
